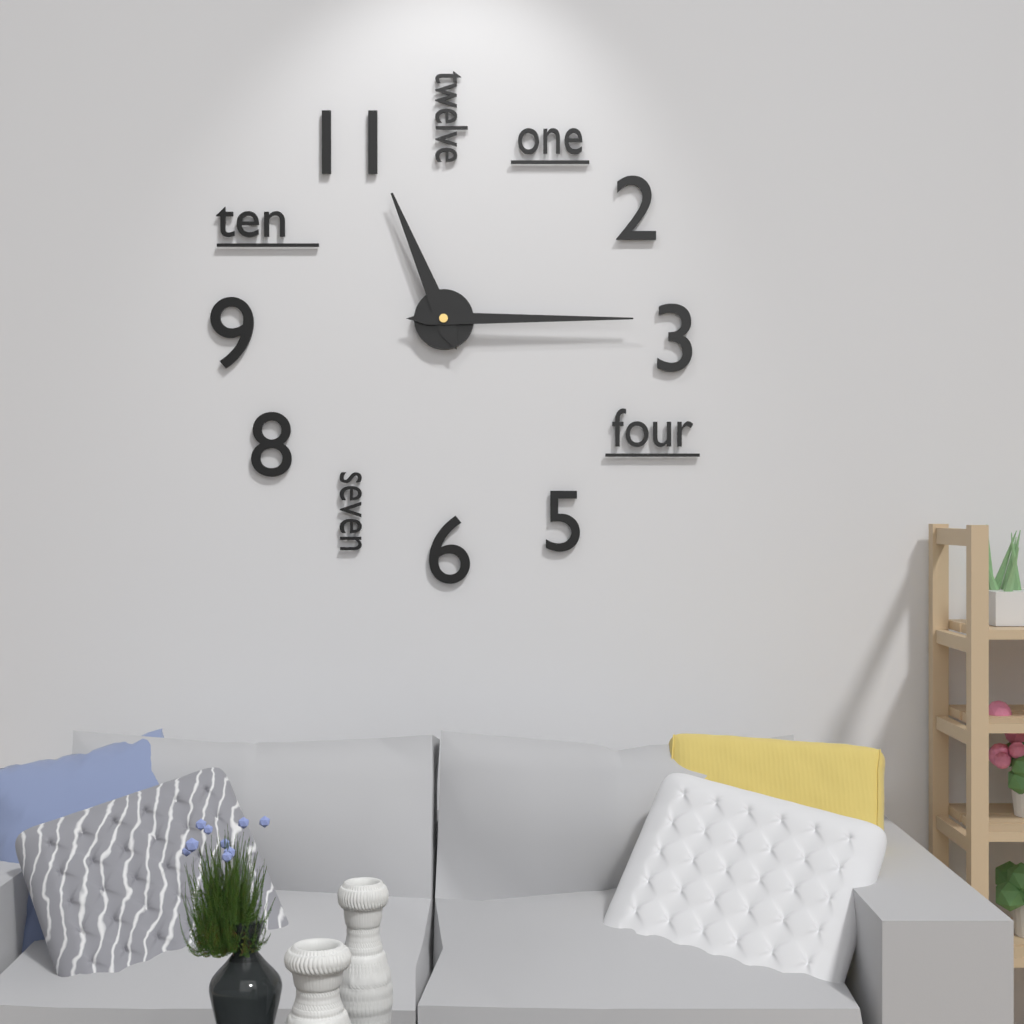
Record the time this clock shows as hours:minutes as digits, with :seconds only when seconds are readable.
11:15
